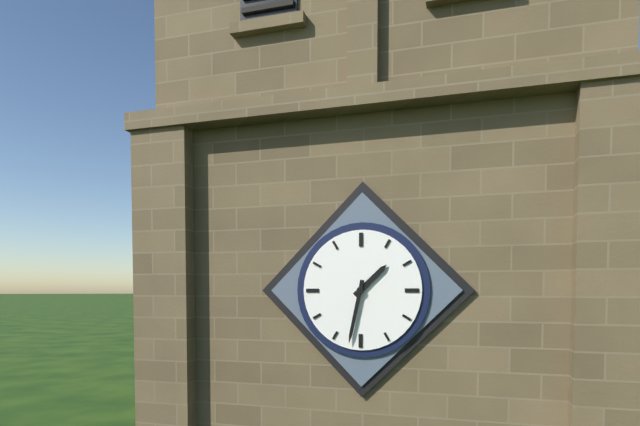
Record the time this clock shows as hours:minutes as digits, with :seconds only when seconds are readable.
1:32
